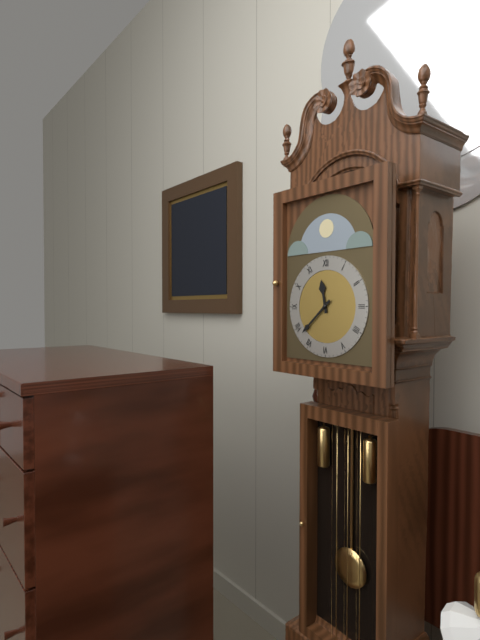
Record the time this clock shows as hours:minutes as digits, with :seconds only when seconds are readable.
11:38
